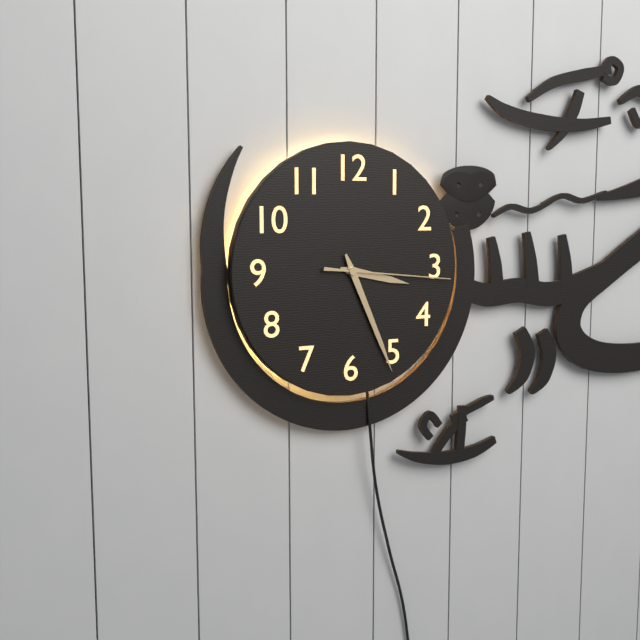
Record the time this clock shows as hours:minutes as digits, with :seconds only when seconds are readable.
3:26:16
